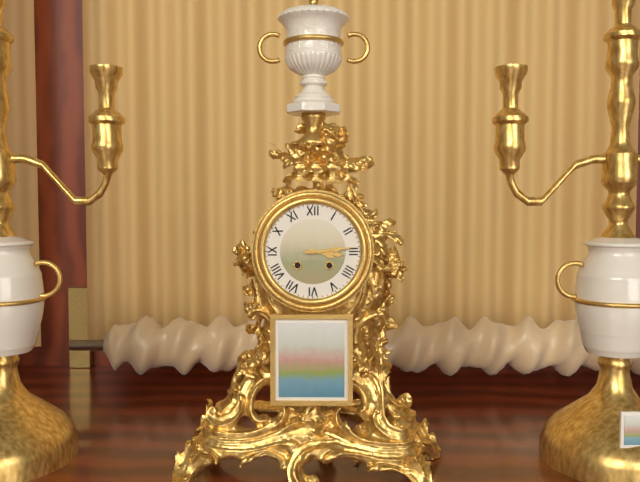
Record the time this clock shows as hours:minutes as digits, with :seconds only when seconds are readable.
3:14
